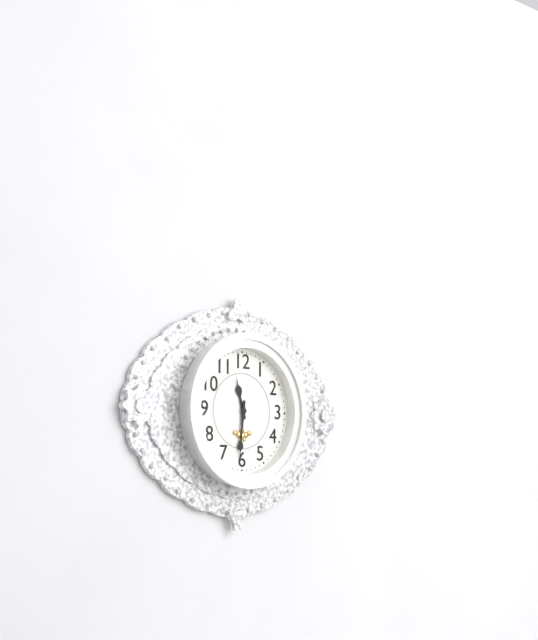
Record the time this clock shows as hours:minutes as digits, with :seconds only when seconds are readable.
11:31
